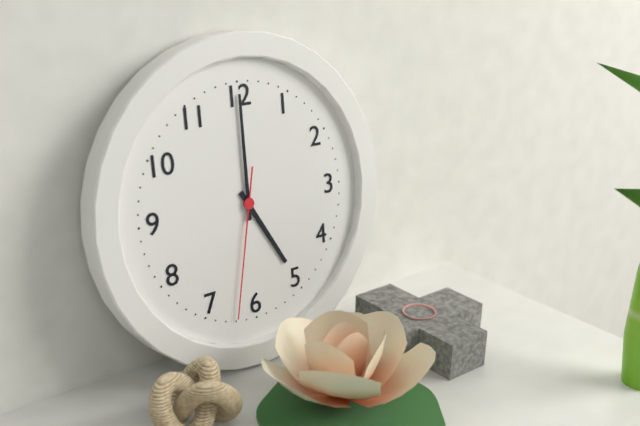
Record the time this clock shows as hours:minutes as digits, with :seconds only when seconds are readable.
5:00:32
